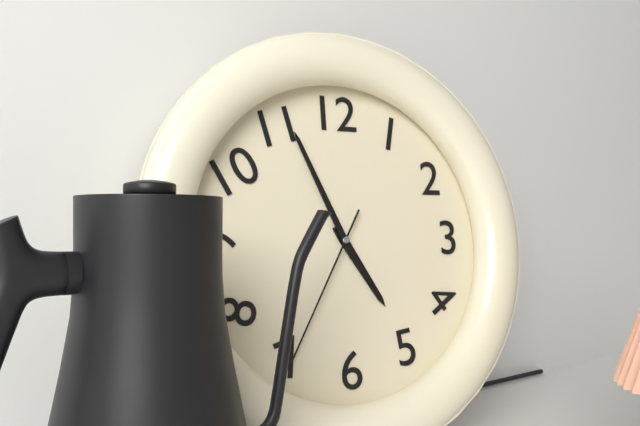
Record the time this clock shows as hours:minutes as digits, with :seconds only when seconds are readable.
4:56:35
